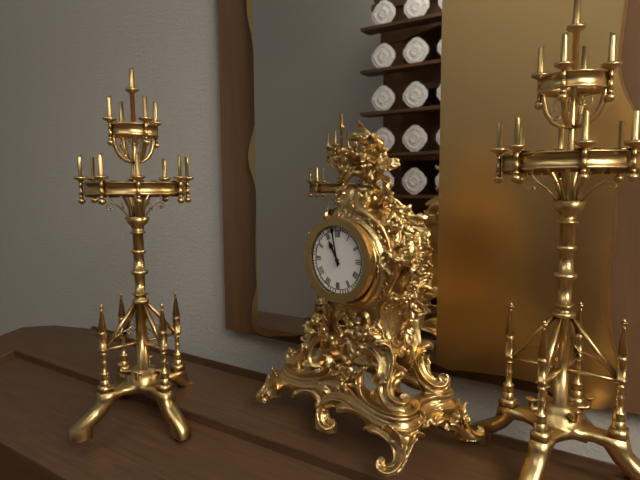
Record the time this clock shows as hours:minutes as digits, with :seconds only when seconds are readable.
10:58
